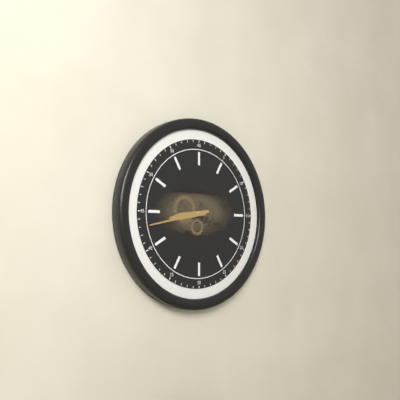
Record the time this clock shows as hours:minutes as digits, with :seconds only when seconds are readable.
8:43
